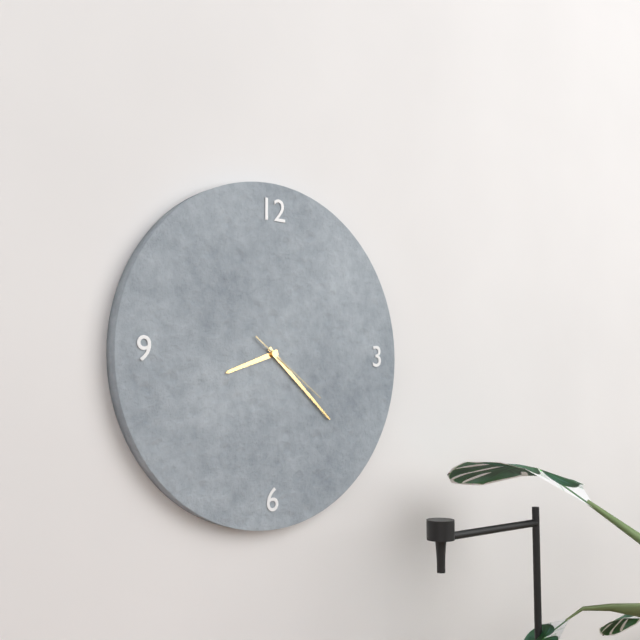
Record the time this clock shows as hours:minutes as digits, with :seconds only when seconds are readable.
8:22:21
